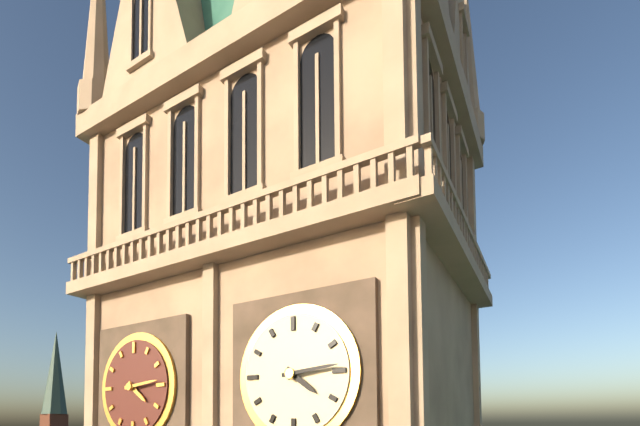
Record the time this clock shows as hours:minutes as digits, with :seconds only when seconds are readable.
4:14
